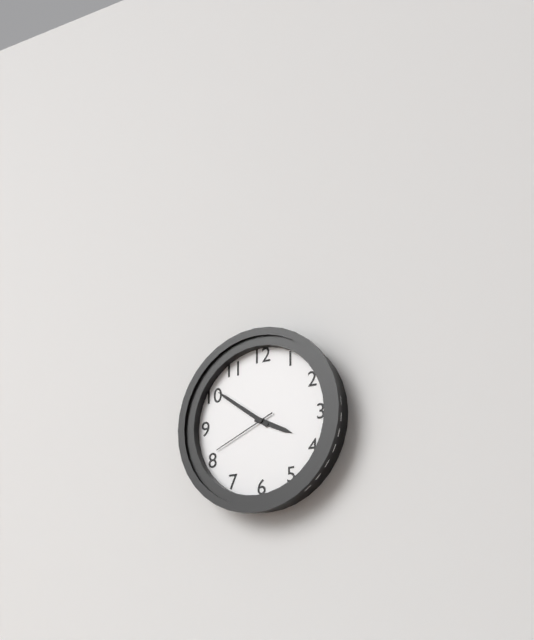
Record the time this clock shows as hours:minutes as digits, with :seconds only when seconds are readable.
3:51:41
